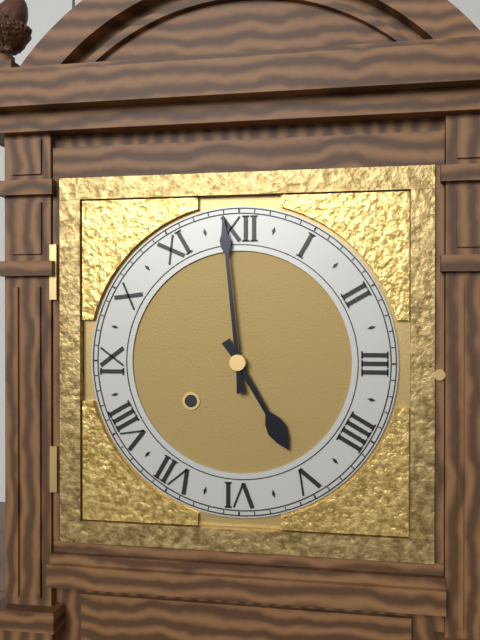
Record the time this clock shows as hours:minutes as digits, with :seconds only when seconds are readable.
4:59
